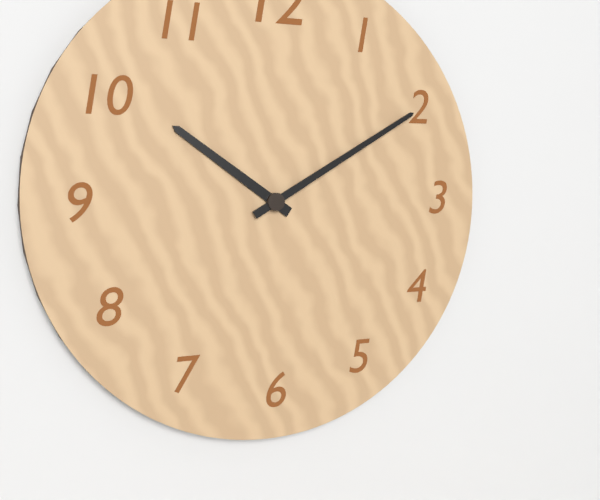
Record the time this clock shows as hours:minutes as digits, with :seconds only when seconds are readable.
10:10
